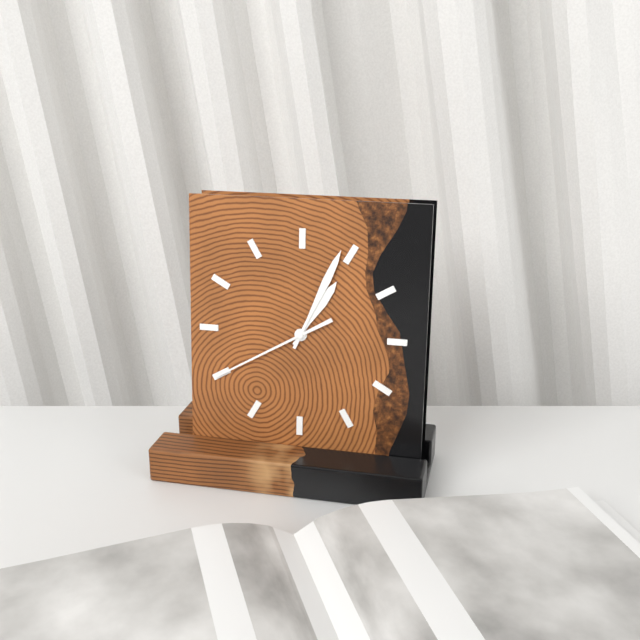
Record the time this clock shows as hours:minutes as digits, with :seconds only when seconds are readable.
1:04:40
